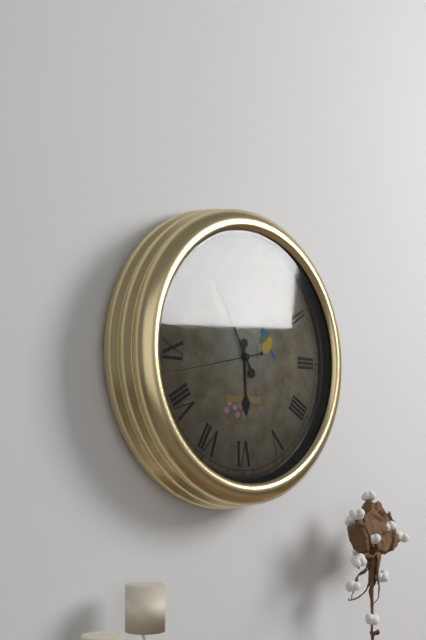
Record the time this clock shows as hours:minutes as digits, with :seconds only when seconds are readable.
5:55:43
